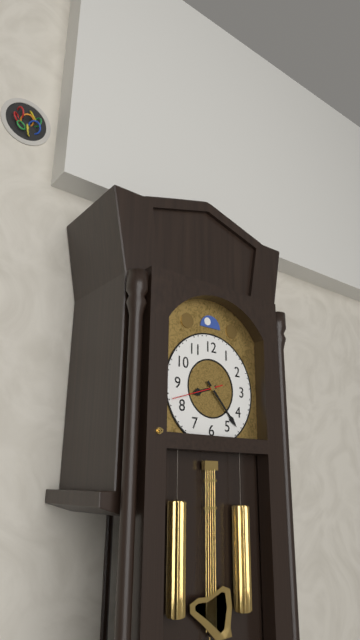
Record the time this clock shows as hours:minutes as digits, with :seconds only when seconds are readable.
8:23:42
